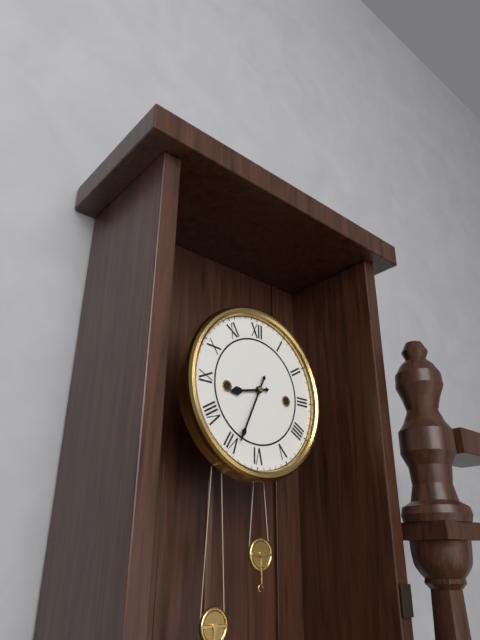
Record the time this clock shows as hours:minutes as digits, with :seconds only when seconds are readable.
8:34
